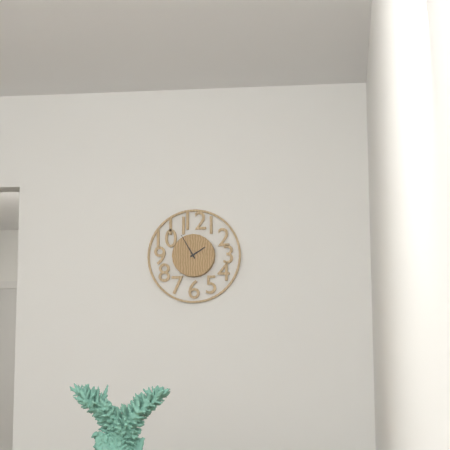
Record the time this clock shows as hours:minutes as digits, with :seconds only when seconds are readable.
1:55
